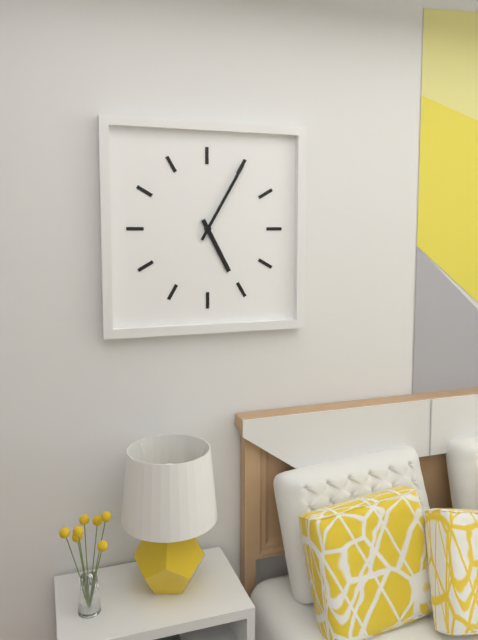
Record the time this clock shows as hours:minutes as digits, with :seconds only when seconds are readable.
5:05
